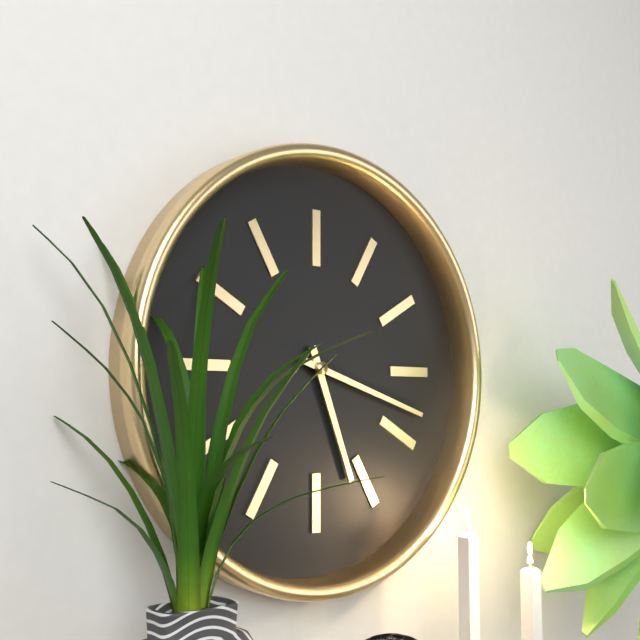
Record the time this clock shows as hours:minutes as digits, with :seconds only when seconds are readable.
5:18
